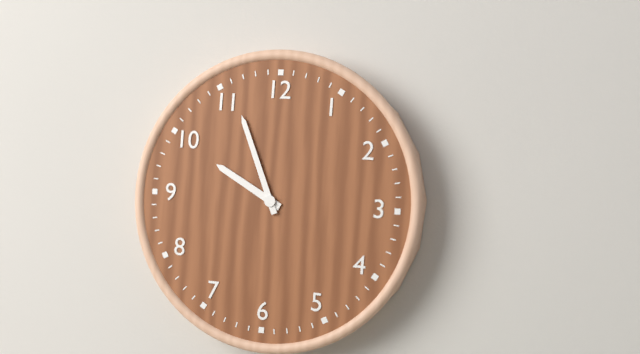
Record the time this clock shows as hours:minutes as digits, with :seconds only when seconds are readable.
9:56
